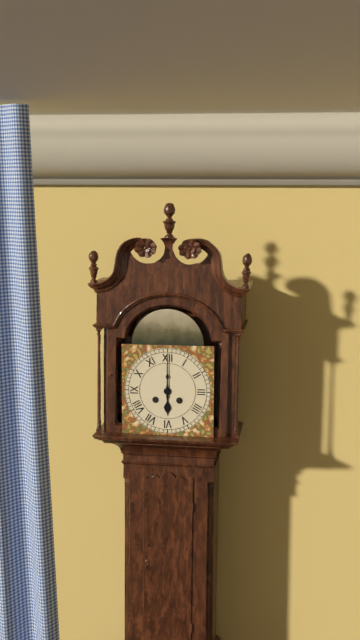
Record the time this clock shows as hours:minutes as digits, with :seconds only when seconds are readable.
6:00
